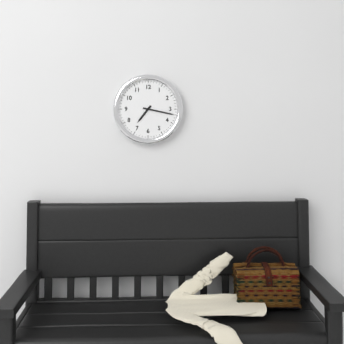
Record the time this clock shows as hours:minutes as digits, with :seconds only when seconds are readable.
7:17
